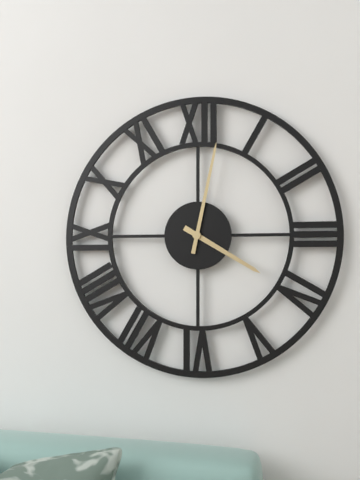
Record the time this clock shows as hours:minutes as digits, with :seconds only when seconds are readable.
4:02
